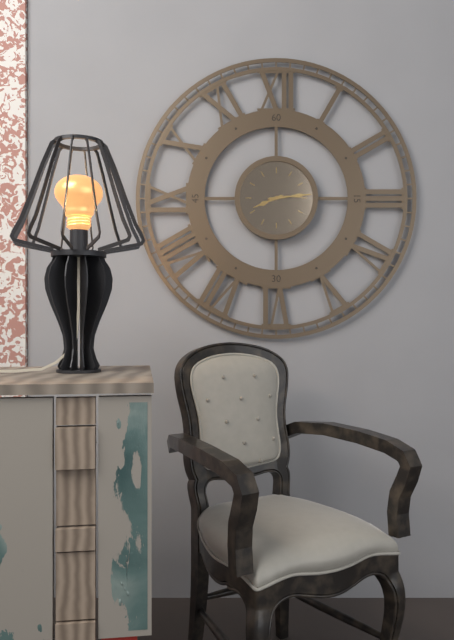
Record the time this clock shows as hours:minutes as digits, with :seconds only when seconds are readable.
8:14
